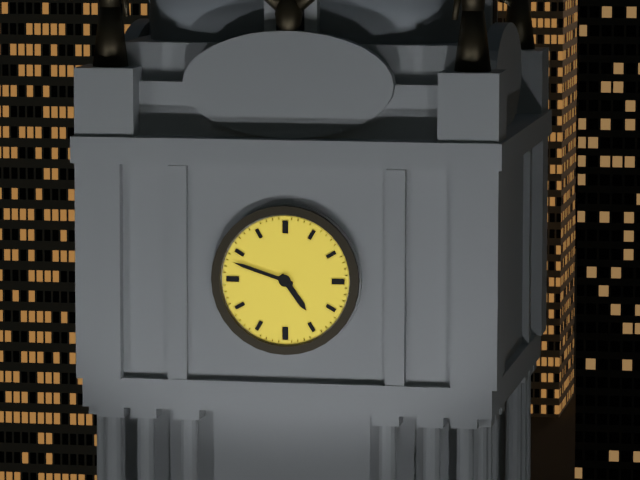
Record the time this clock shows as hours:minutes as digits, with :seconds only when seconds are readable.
4:48
